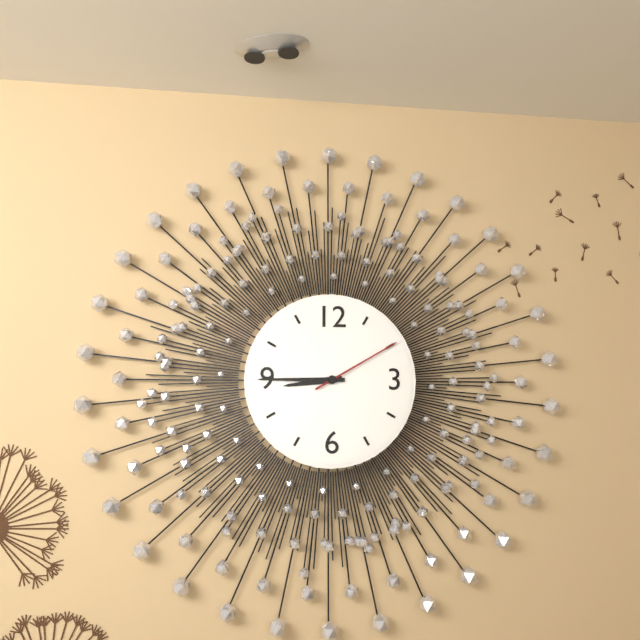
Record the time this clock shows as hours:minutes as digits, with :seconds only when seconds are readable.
8:45:10
